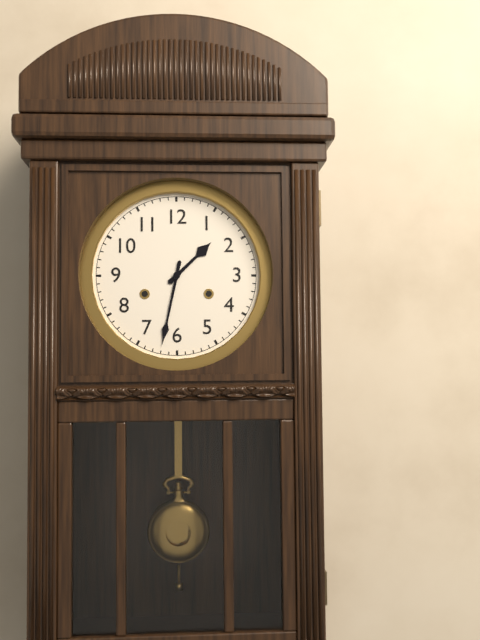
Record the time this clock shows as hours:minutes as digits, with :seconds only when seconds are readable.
1:32
